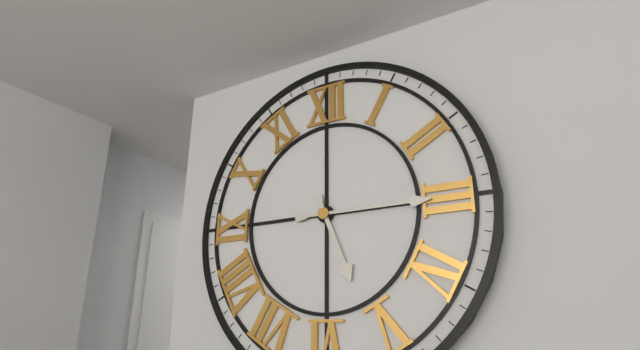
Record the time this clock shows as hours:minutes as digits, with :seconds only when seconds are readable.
5:15
